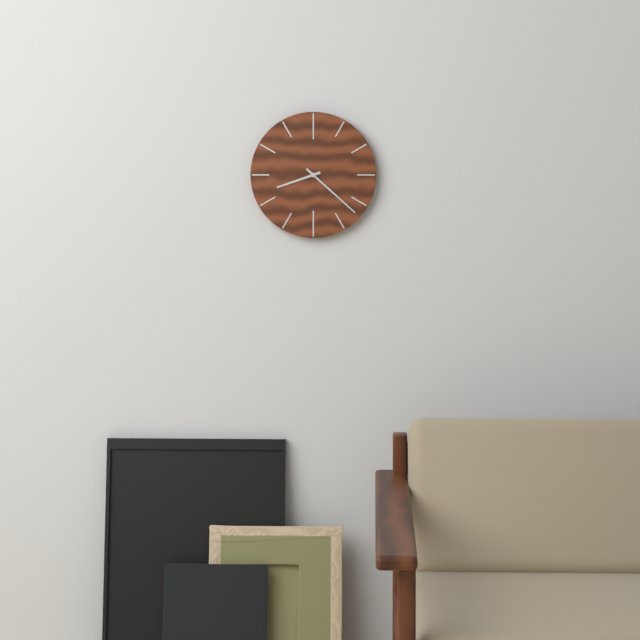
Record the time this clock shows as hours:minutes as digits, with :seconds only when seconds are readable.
8:22
